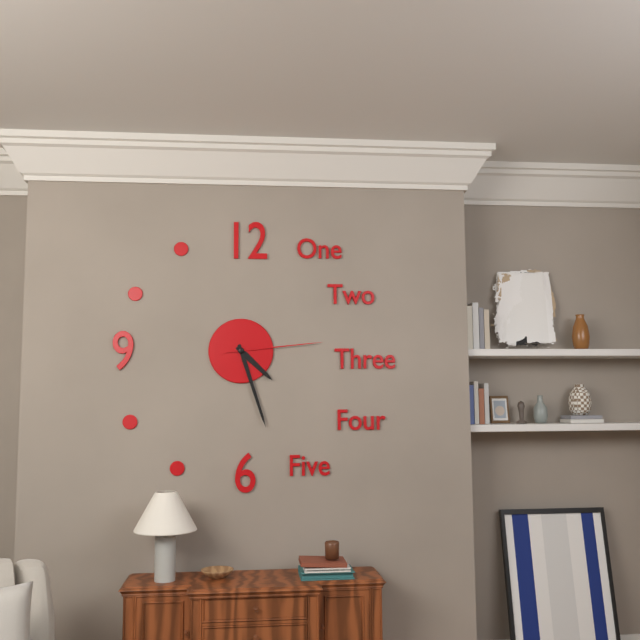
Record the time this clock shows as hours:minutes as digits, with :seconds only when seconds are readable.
4:27:14
